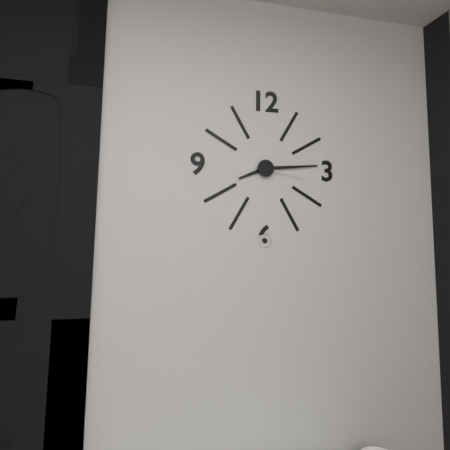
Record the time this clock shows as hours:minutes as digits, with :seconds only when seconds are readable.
8:14:17
